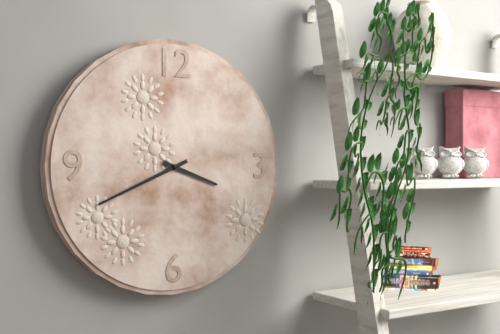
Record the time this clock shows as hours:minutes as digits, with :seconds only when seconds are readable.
3:41
